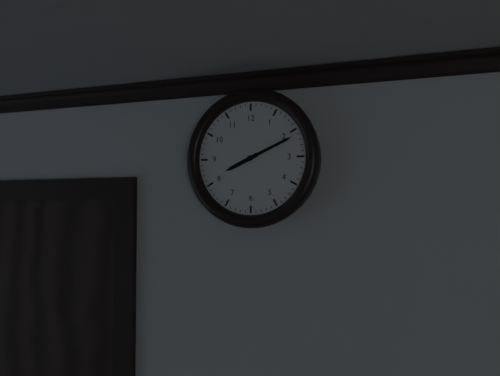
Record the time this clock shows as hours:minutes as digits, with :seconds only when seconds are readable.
8:11
